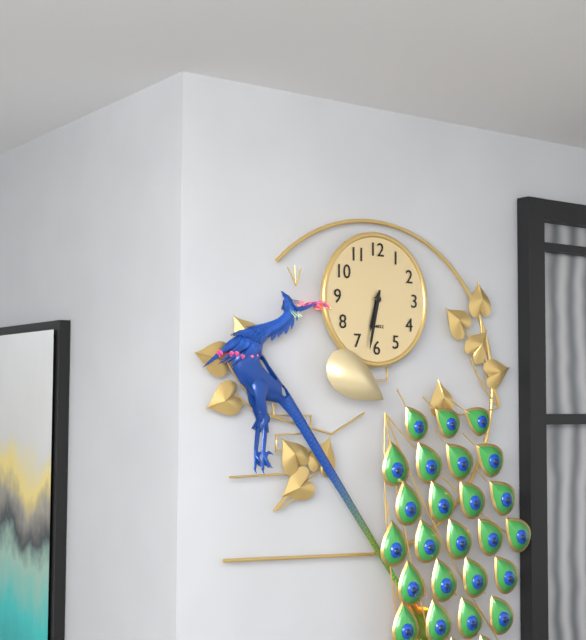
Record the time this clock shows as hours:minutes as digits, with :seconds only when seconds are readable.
6:32
